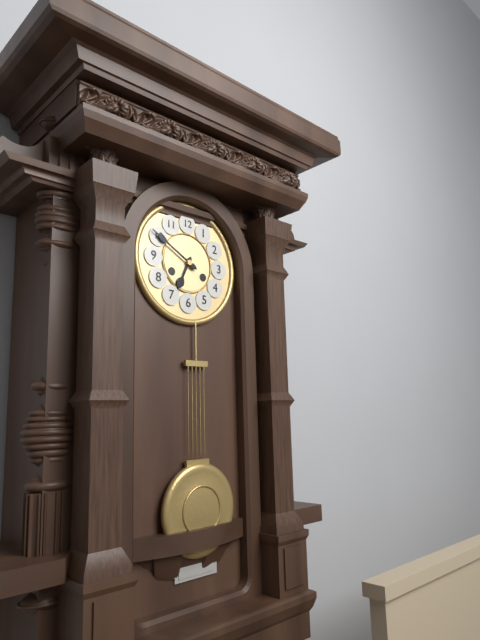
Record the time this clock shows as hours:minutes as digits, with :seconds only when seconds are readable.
6:50
